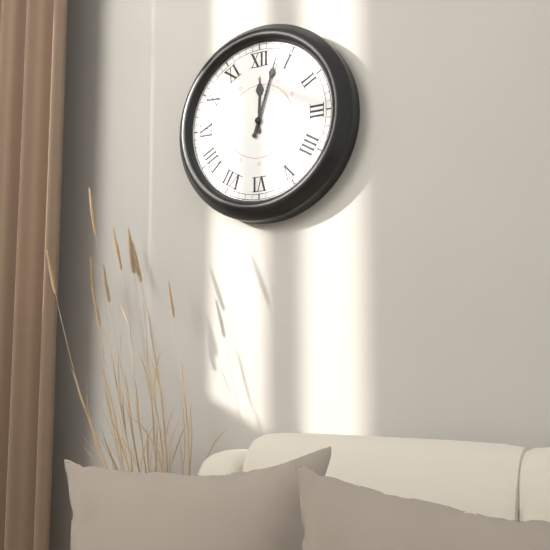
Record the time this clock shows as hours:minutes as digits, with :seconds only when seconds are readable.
12:03
